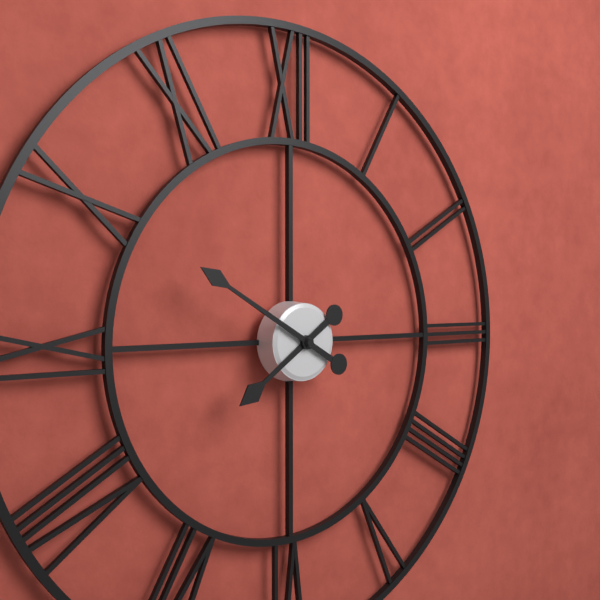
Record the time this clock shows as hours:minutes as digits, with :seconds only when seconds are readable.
7:50
